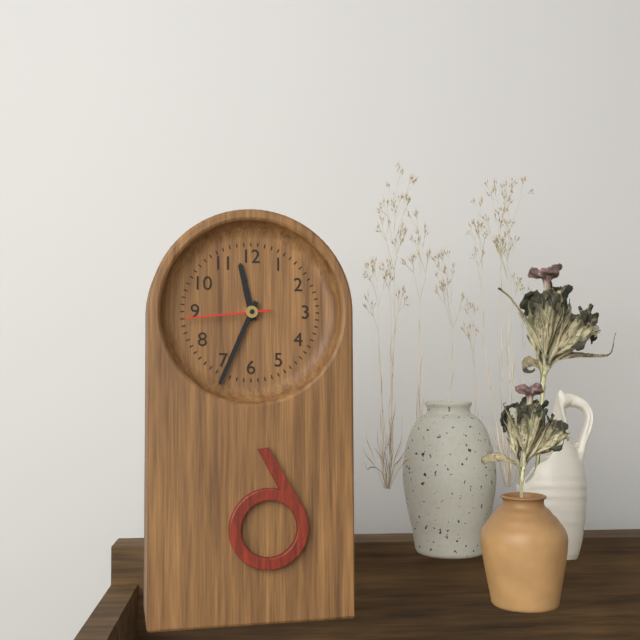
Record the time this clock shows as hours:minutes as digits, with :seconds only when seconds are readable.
11:34:44
